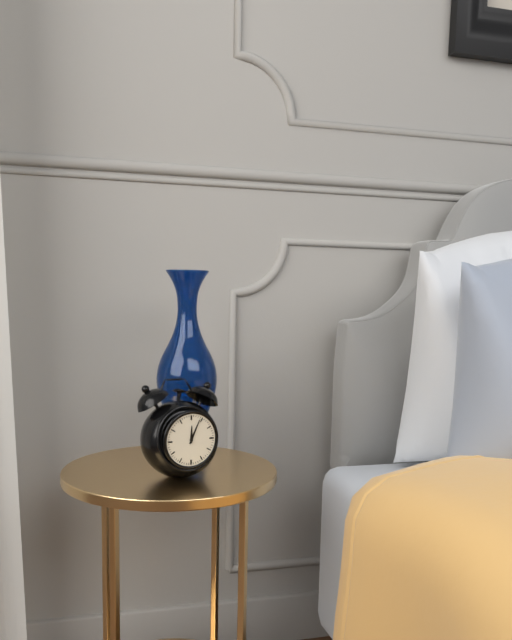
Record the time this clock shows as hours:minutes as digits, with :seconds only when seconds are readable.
12:04
